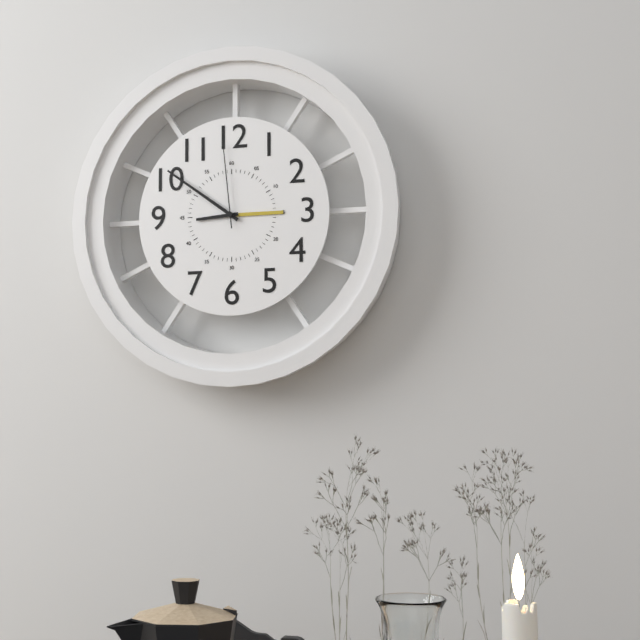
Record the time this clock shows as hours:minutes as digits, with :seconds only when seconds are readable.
8:51:59
